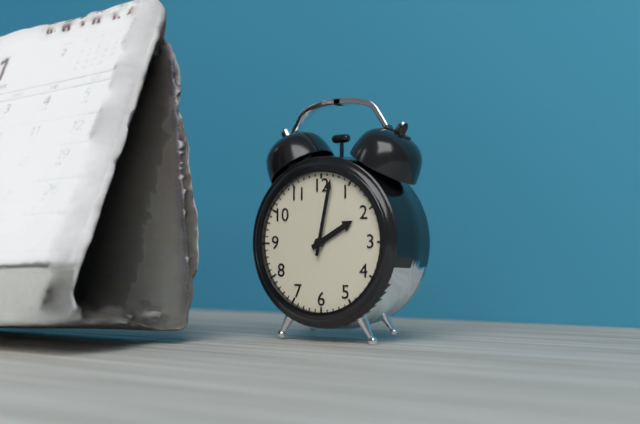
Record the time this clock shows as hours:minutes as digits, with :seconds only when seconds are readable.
2:02
